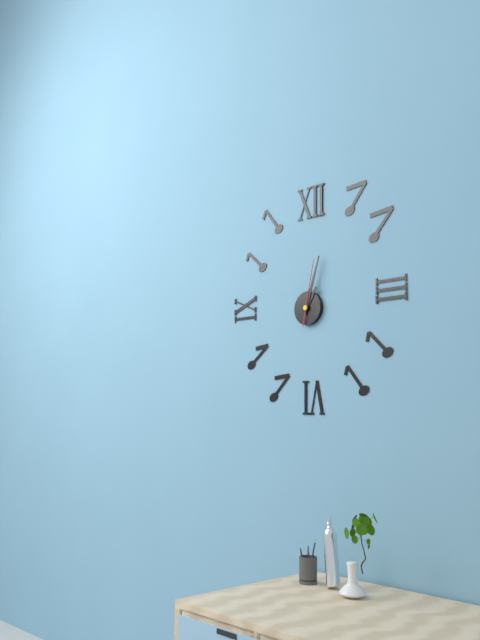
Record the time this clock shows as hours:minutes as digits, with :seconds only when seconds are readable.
1:03:02
